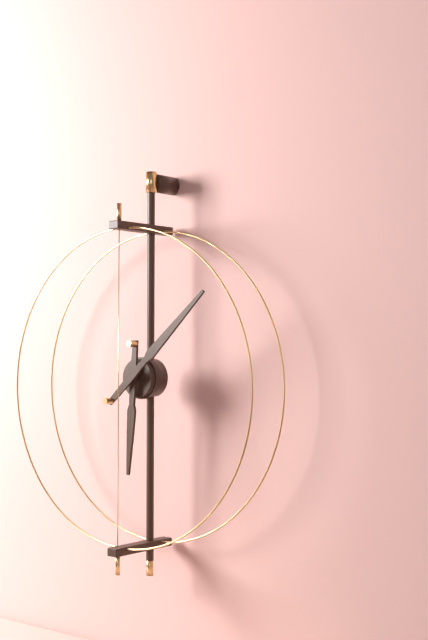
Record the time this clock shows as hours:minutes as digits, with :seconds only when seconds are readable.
6:08
